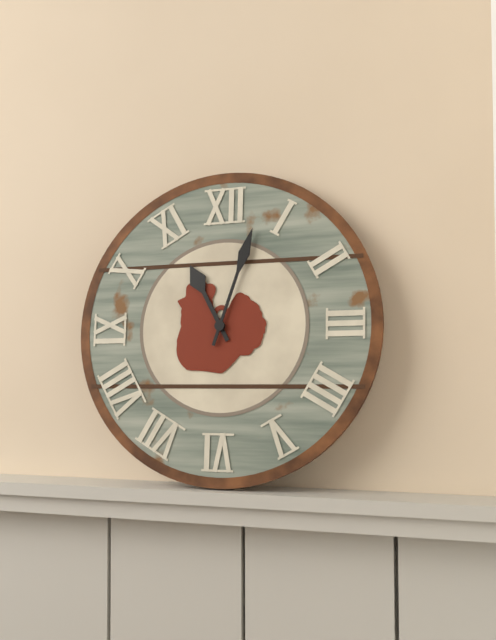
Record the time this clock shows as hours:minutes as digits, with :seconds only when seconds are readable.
11:03
